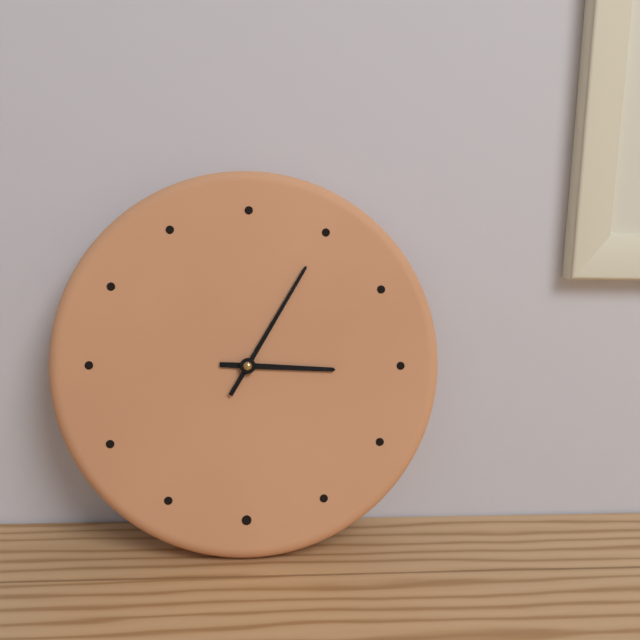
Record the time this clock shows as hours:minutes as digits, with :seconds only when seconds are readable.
3:05
